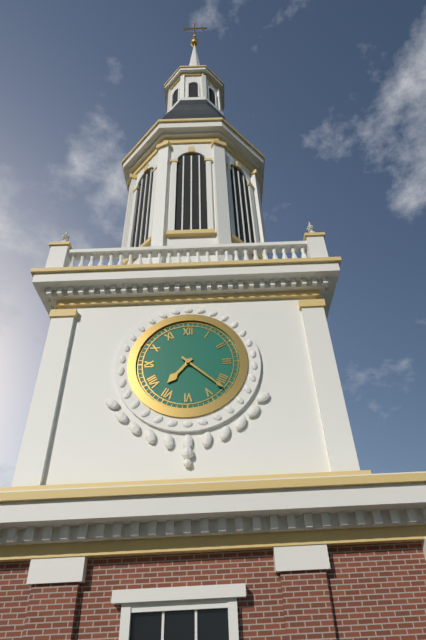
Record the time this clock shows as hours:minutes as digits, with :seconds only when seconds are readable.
7:22
